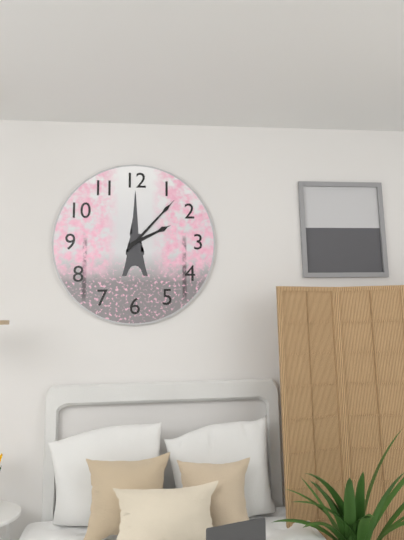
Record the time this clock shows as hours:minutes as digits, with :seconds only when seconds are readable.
2:07
